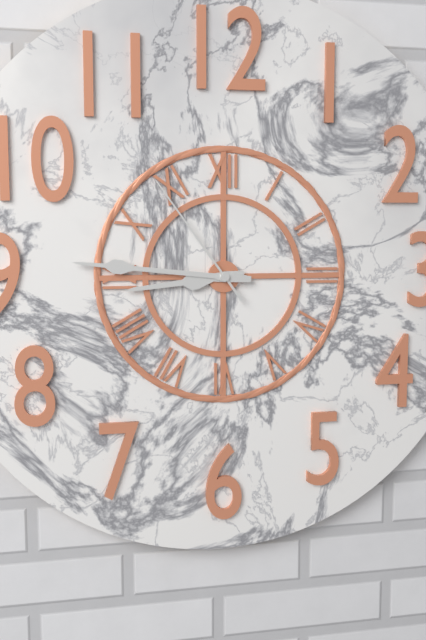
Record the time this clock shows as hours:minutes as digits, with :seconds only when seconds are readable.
8:46:54
